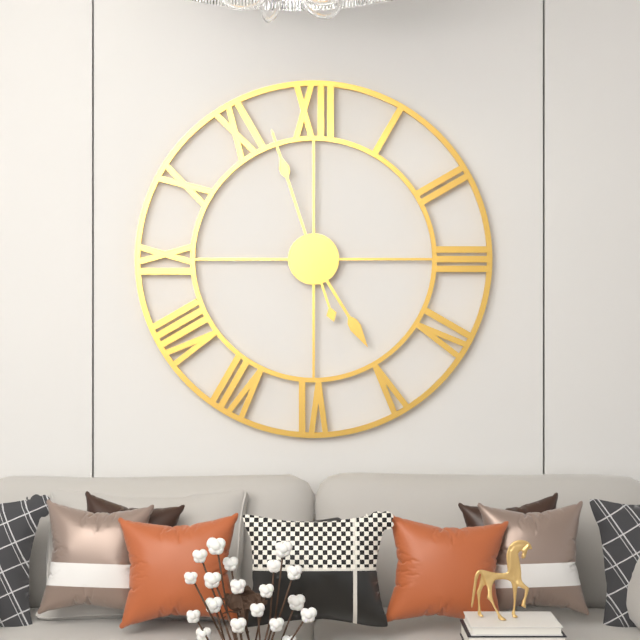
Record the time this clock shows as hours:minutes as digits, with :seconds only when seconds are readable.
4:57
